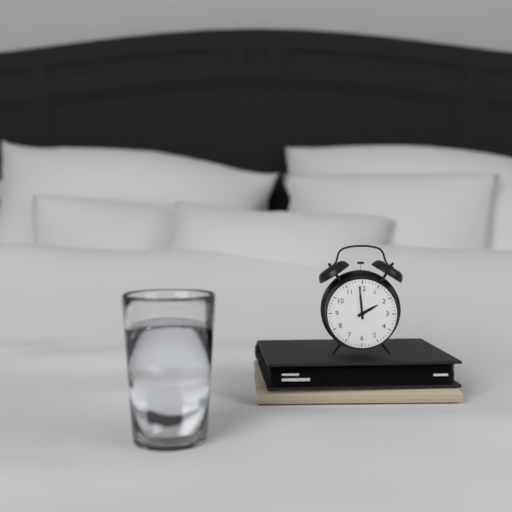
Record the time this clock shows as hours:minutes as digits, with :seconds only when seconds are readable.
1:59
